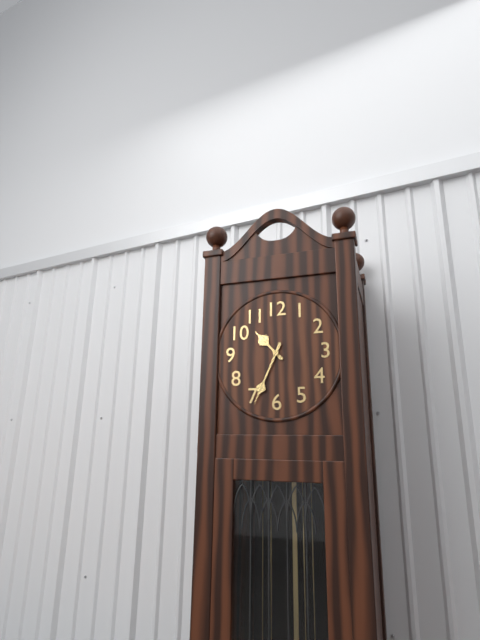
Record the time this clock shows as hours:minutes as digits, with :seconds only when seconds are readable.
10:34
